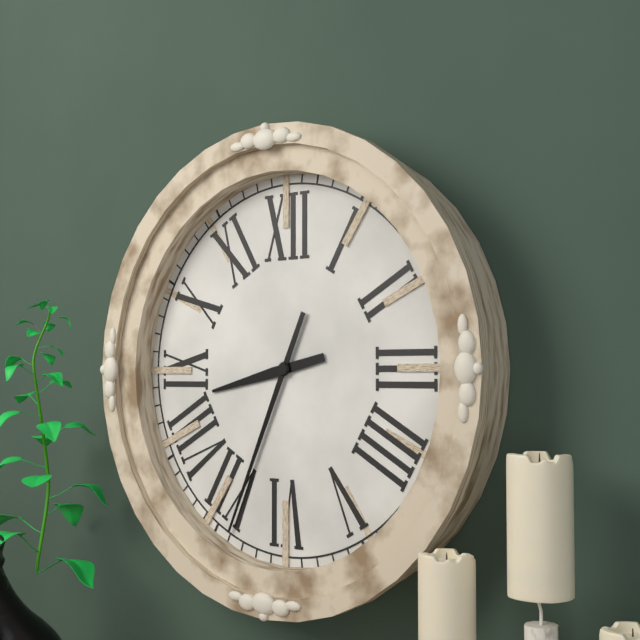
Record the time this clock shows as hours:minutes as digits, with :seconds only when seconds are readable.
8:34
